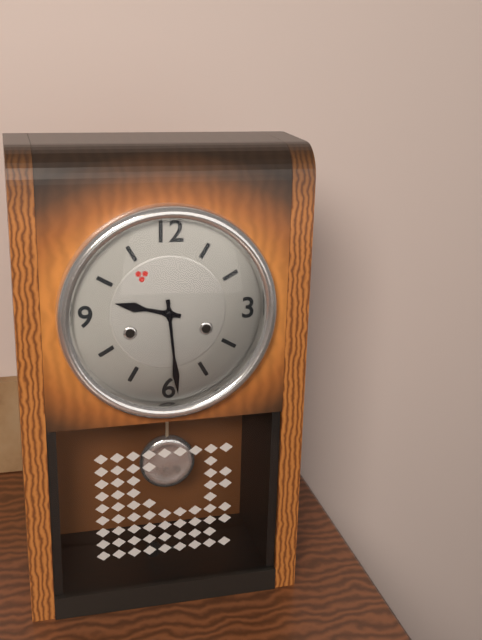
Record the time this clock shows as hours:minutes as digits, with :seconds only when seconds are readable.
9:29
